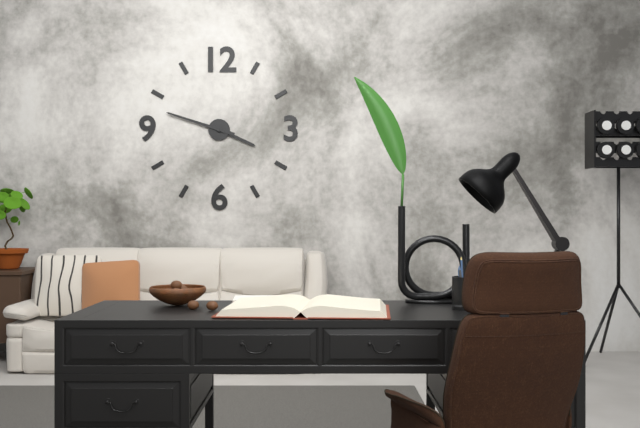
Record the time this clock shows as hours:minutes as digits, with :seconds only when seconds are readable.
3:48
